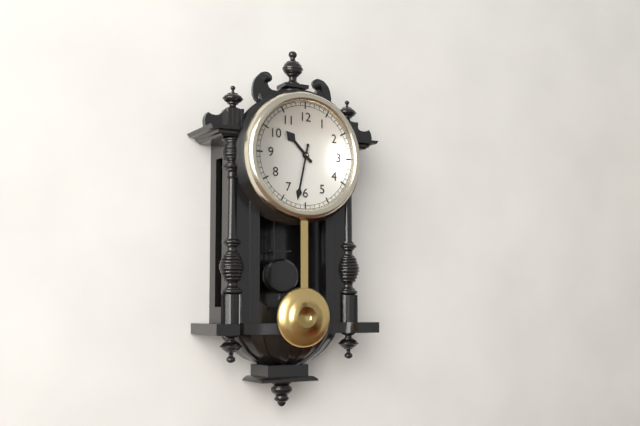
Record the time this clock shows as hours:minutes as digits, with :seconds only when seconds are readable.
10:32
